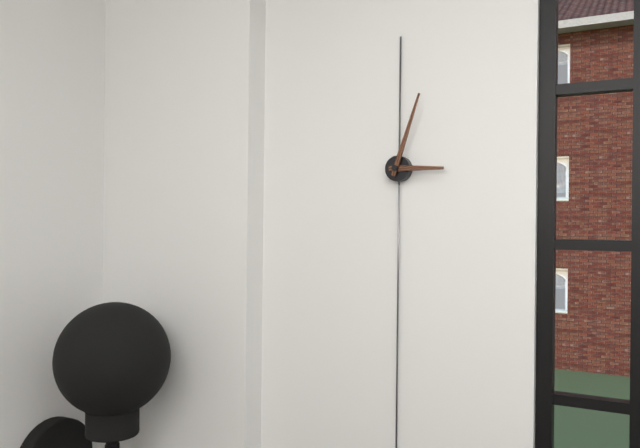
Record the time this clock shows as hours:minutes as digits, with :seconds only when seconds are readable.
3:03
